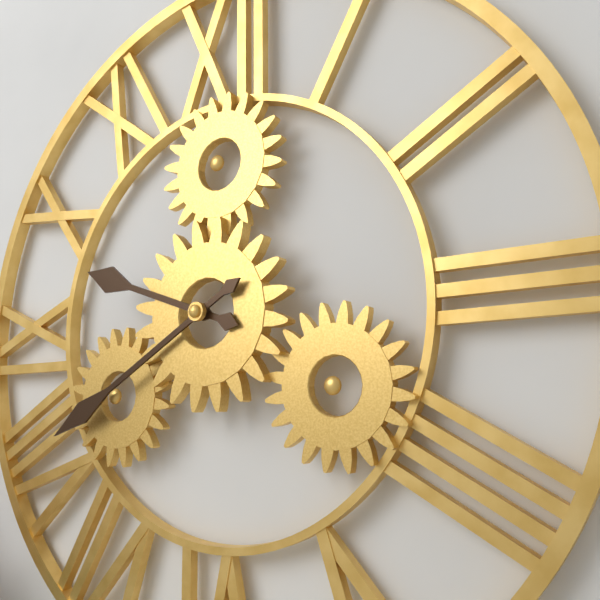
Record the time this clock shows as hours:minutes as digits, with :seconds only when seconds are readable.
9:40
